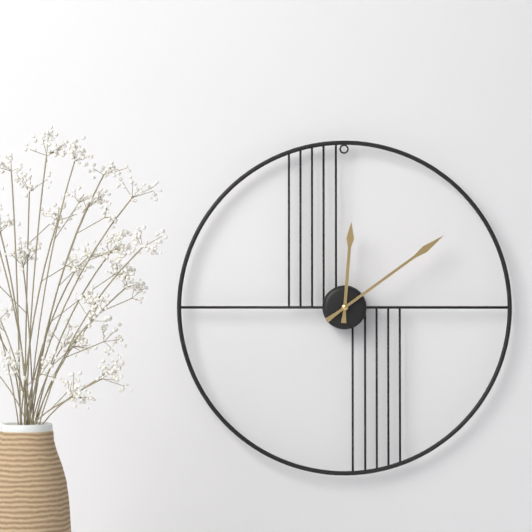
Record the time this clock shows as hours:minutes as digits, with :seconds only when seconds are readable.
12:09
